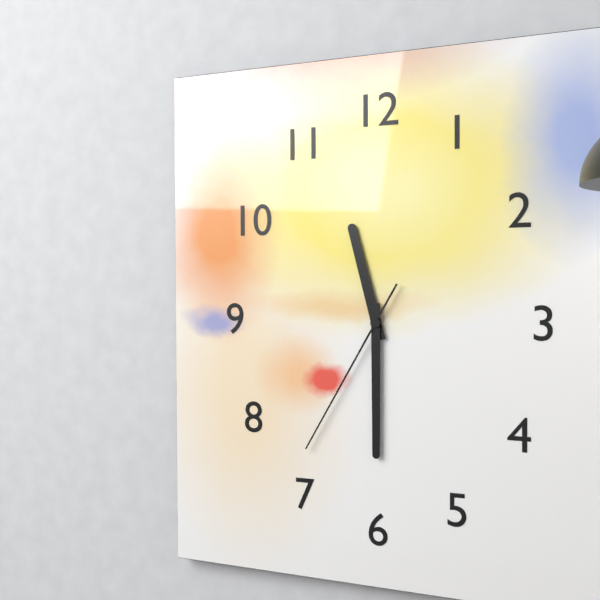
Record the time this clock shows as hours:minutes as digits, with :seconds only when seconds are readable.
11:30:35
